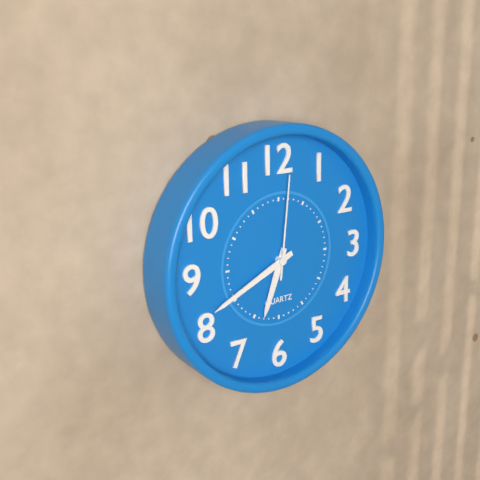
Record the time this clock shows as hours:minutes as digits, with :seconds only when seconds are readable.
6:41:01
